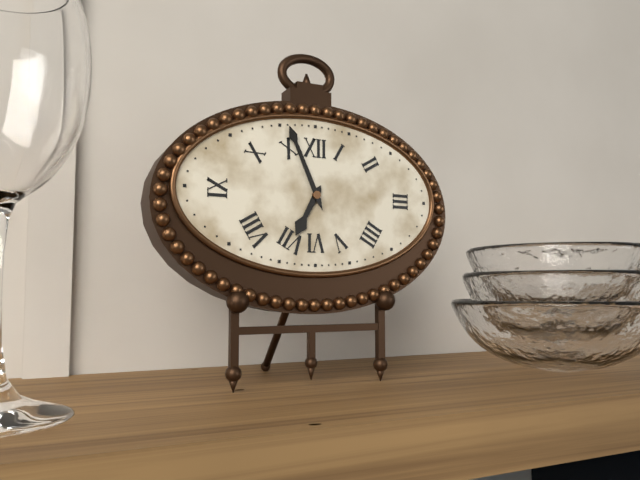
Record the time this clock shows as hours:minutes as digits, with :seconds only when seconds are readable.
6:56
